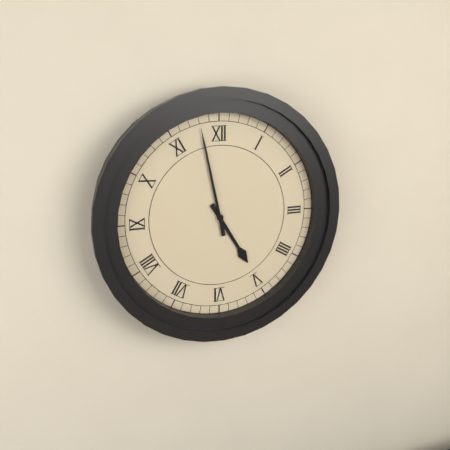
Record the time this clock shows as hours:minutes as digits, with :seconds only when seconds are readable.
4:58
